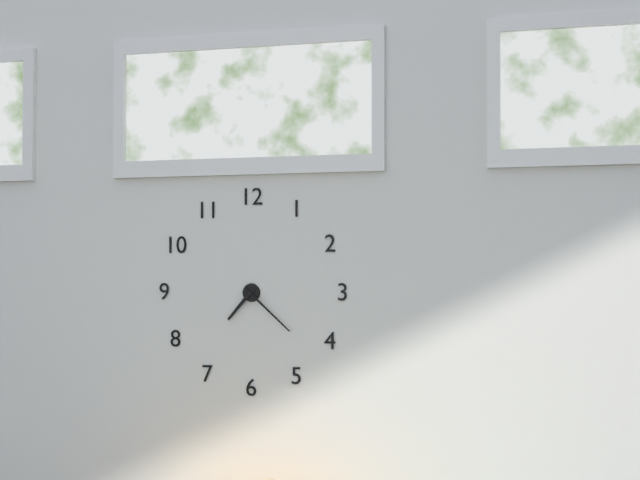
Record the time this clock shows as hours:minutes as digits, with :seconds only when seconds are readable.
7:22
